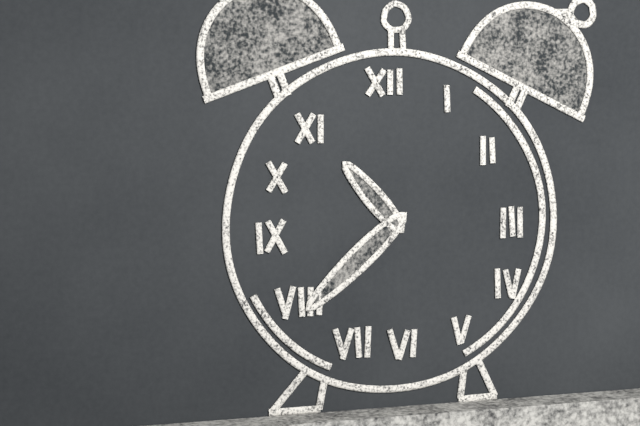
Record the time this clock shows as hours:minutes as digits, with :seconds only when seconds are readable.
10:38
